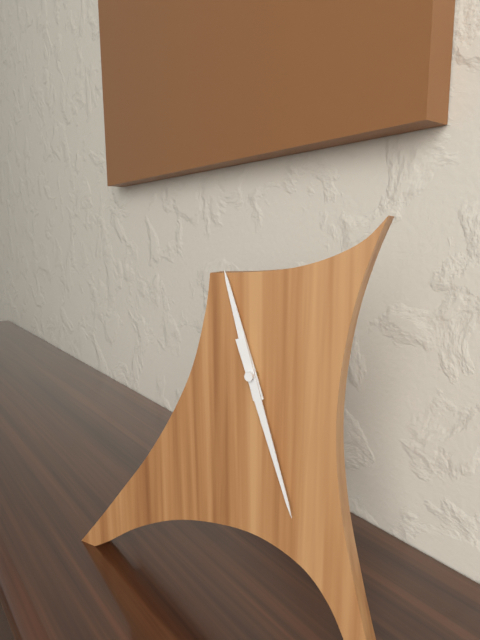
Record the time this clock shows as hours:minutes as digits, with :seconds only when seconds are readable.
11:27
